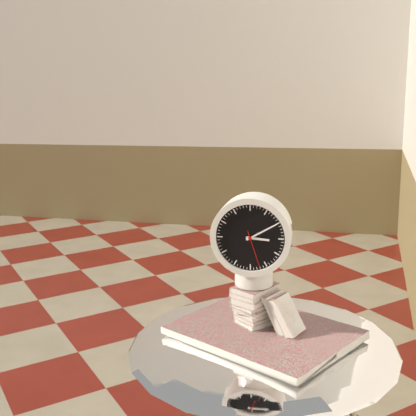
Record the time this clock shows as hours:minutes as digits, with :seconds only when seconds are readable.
3:10
